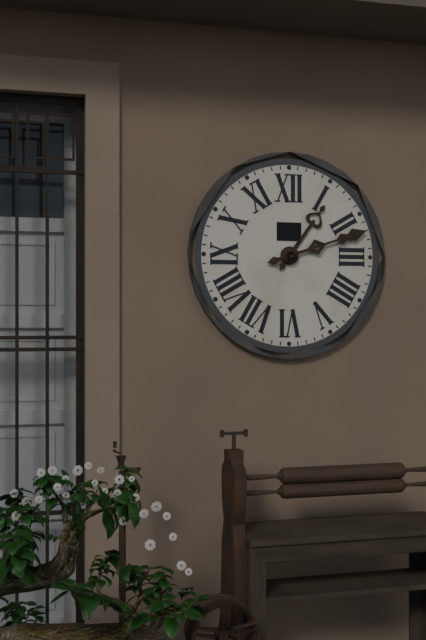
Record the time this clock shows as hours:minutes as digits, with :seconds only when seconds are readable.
1:12
